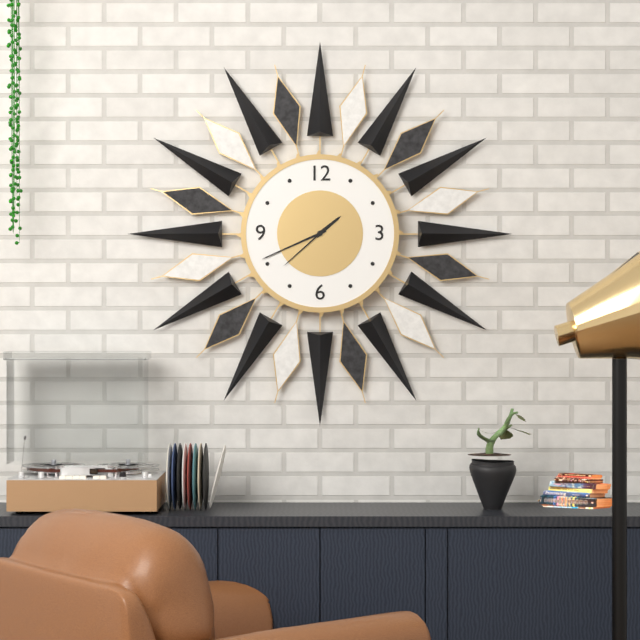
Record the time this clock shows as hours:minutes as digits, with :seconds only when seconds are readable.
1:41:38
